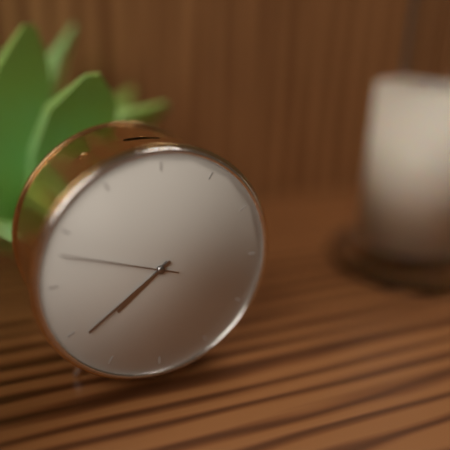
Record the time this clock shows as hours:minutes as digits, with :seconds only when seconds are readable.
7:39:48
